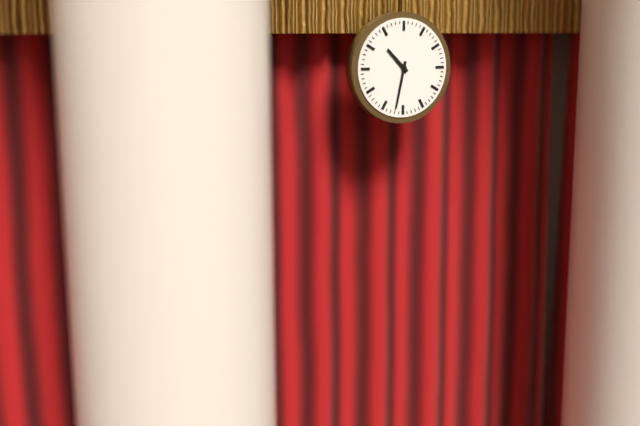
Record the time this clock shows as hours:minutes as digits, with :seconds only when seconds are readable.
10:32
